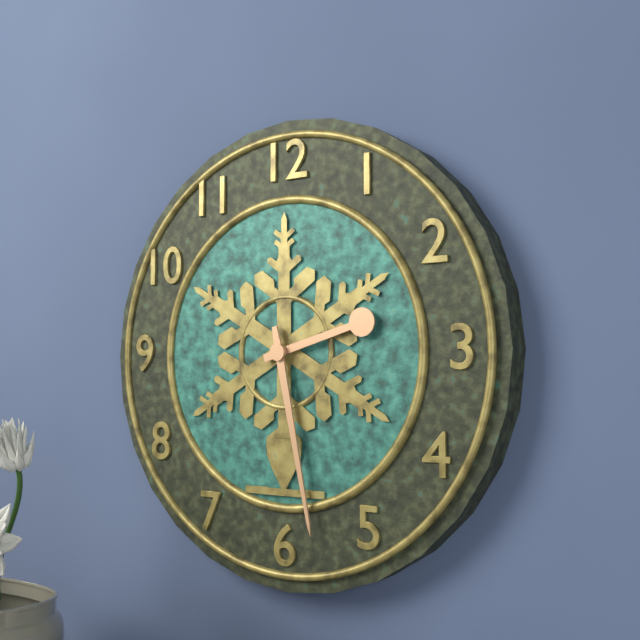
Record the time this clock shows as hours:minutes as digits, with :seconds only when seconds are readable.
2:28
